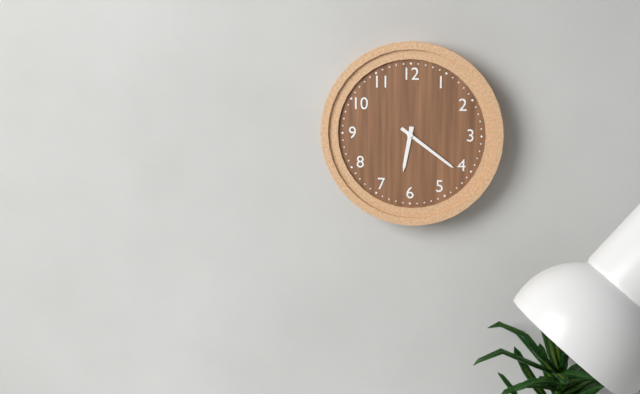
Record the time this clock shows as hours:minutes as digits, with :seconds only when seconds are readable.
6:21
